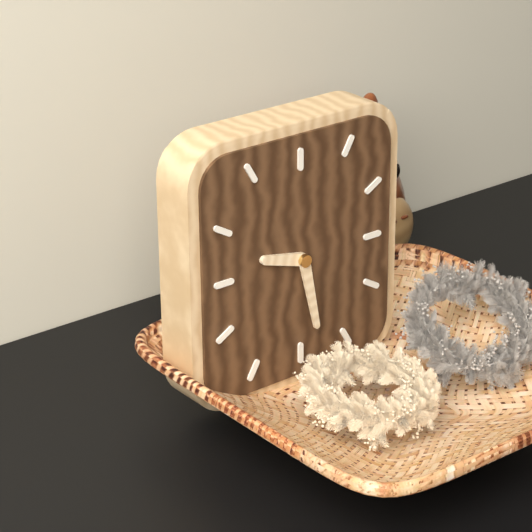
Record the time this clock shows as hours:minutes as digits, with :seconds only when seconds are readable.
9:28
